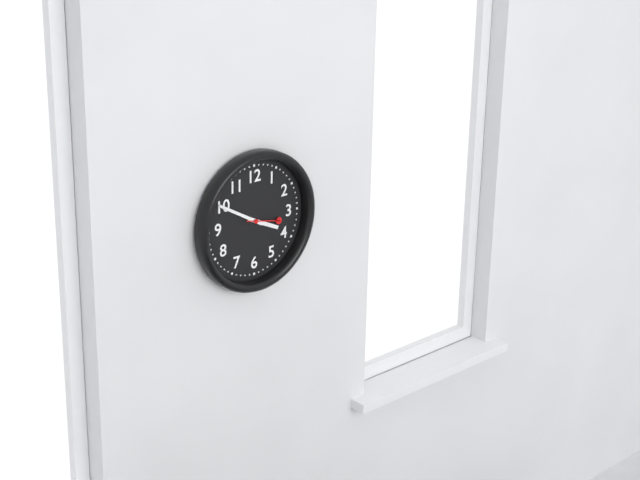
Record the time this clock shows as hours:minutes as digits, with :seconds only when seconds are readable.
3:50
